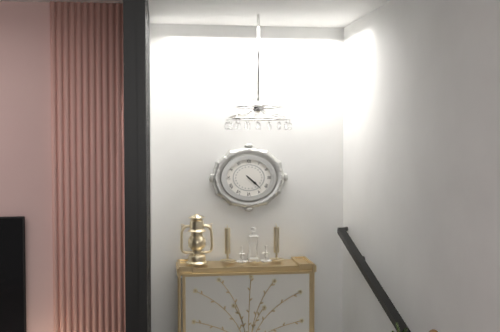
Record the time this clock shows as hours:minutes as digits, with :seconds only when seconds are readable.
4:22
